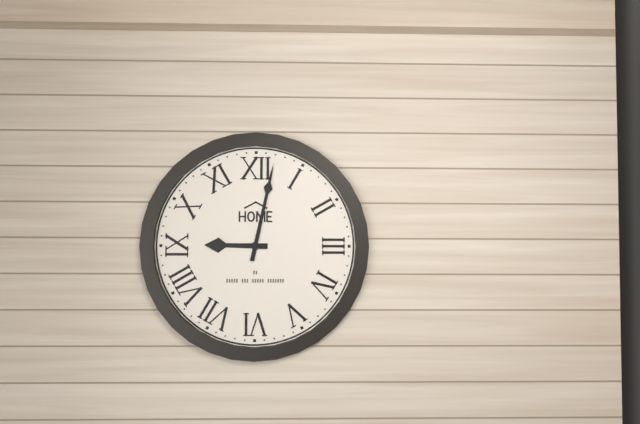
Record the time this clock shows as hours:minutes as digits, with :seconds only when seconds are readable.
9:02
